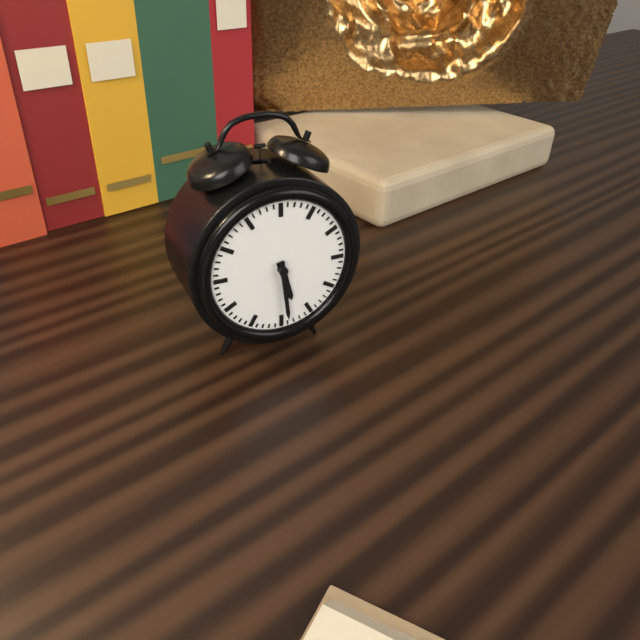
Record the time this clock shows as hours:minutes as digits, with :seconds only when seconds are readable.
5:29
